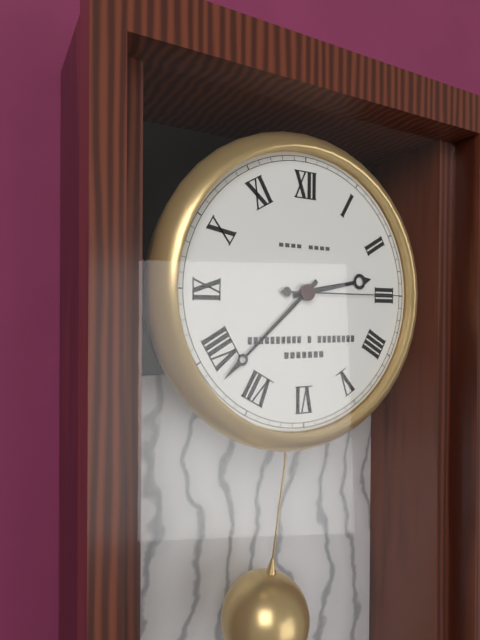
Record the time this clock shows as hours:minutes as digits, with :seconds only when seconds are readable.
2:38:15
